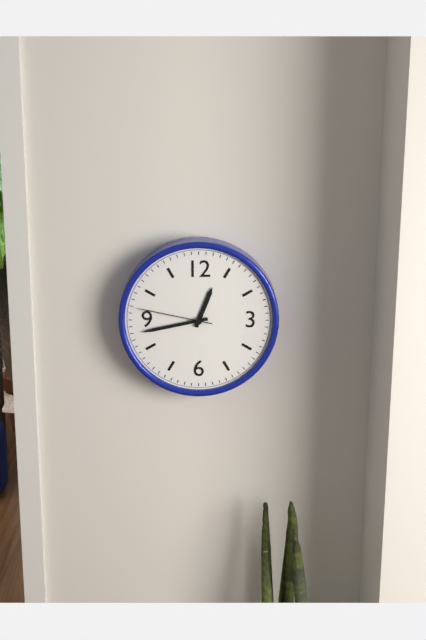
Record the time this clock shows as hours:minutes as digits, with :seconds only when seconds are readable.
12:43:47
